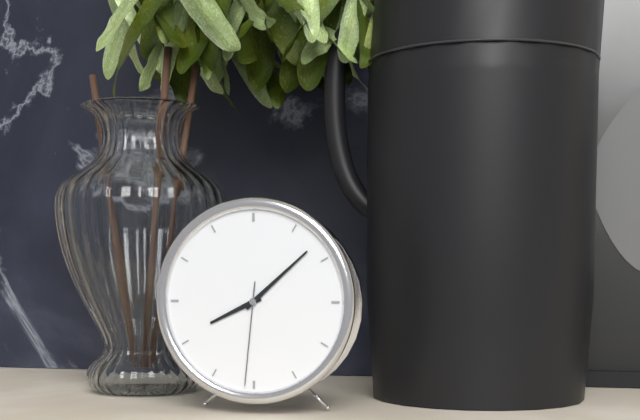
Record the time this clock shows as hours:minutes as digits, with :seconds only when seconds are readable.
8:08:31
